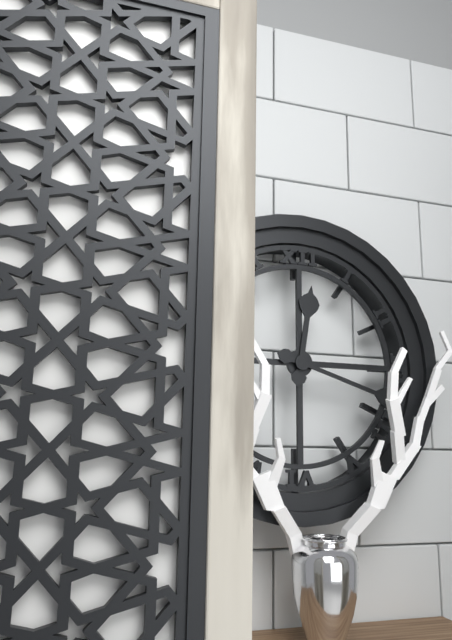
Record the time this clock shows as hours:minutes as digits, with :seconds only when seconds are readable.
12:18
